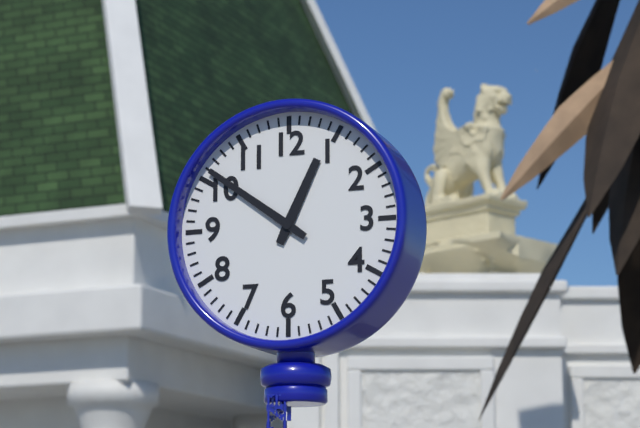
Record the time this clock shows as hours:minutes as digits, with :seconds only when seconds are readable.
12:51
